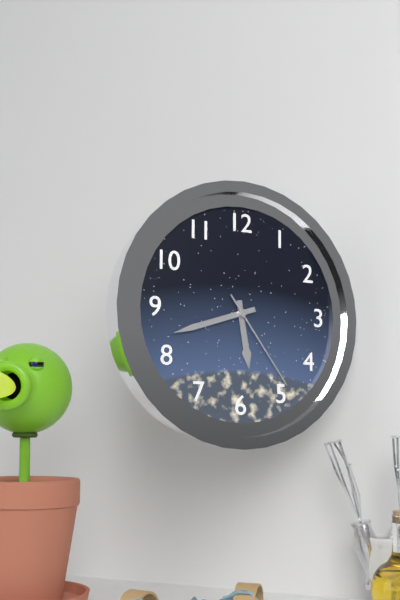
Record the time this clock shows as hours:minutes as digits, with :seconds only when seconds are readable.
5:42:24
